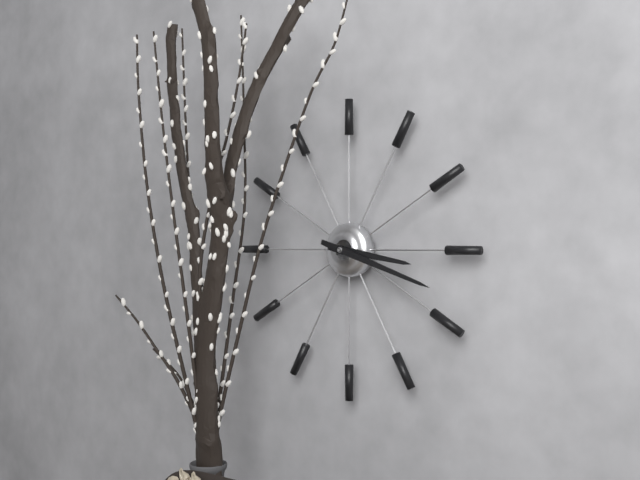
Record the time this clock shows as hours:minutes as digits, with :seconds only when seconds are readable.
3:18
